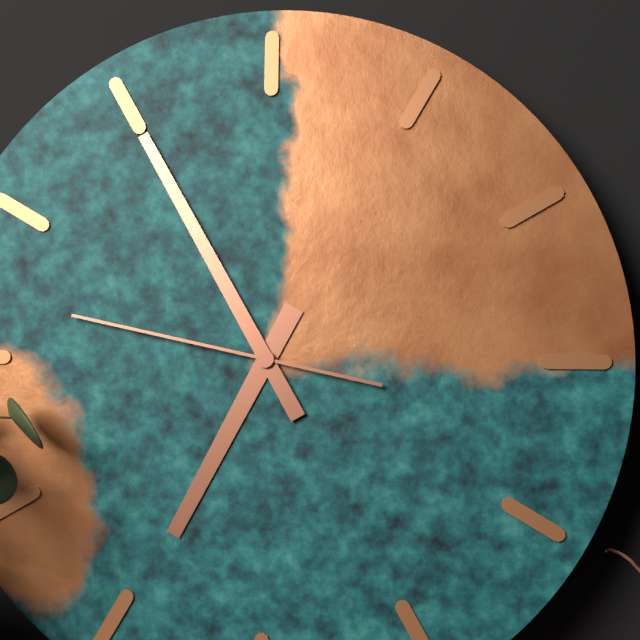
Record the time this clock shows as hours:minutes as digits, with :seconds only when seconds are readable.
6:55:47
